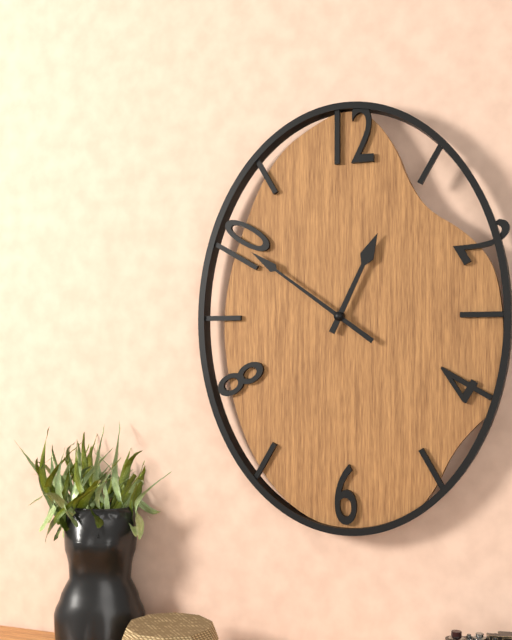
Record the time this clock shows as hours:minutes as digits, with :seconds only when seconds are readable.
12:51
